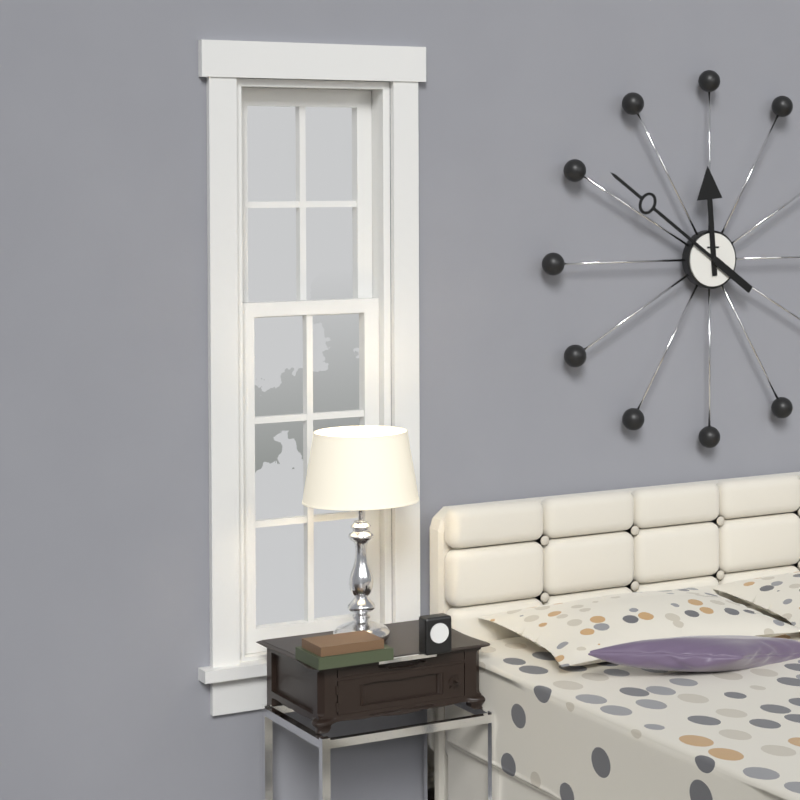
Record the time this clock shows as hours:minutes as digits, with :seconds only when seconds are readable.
11:51
